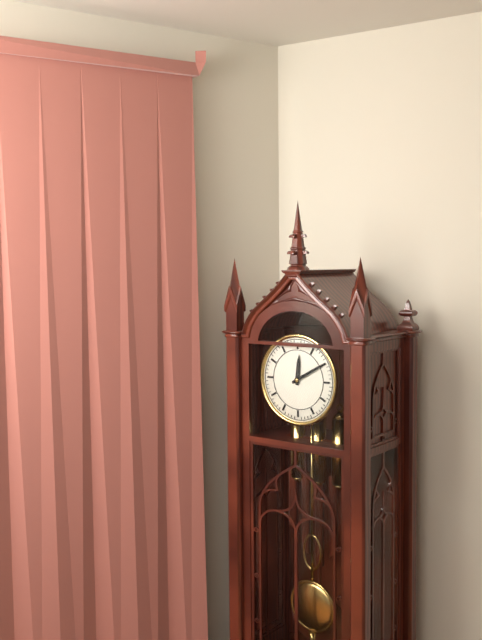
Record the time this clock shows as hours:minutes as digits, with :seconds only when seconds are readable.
12:10
